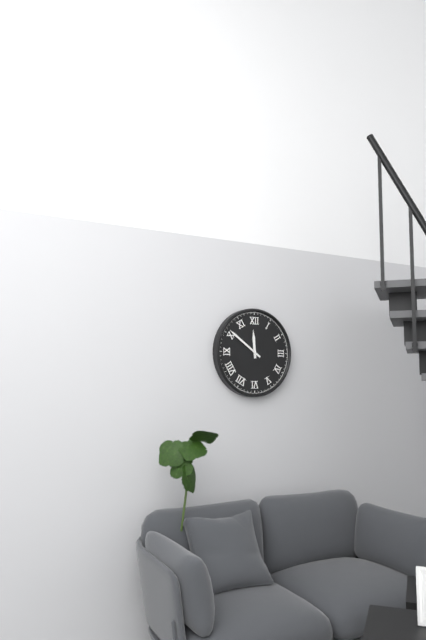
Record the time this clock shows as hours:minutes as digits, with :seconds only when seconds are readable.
11:51
